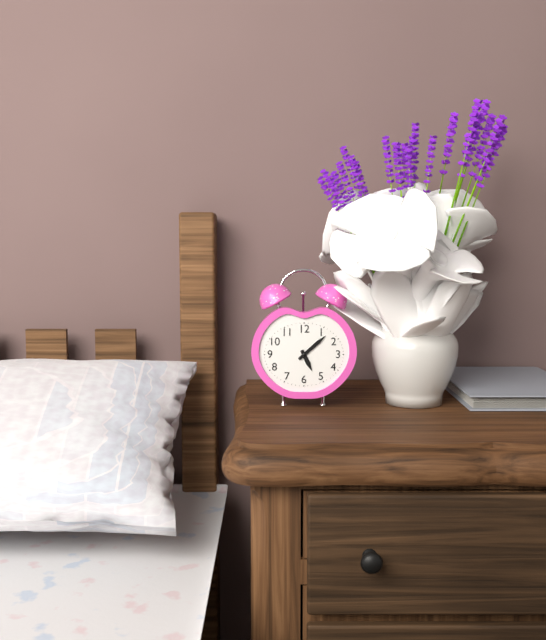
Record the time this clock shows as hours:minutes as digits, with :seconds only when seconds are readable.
5:08
